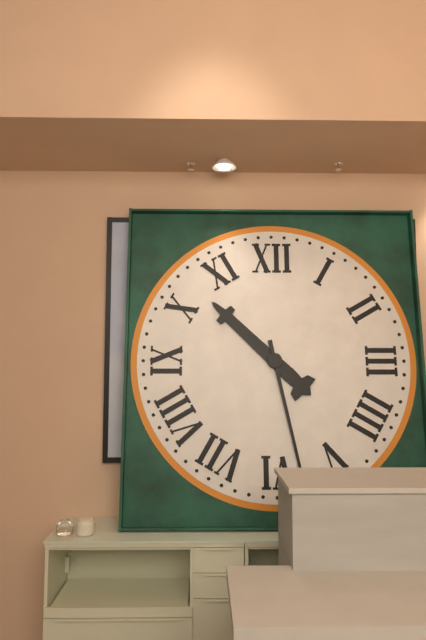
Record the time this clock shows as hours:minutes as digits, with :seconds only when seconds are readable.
10:28
